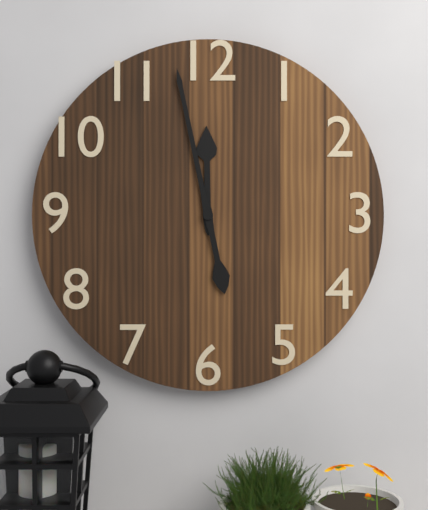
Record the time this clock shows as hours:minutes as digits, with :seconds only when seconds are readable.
11:58
